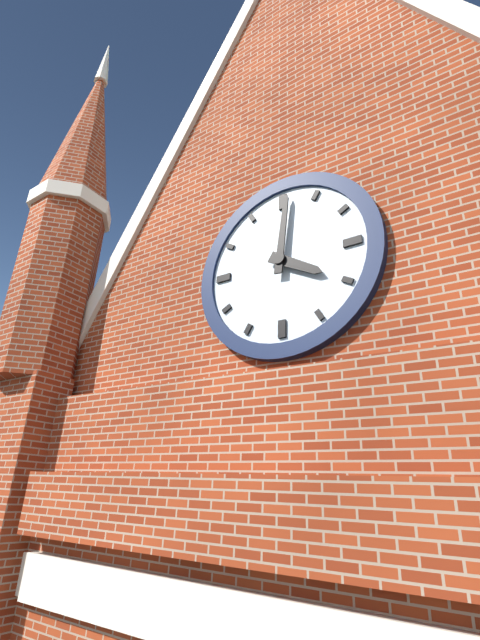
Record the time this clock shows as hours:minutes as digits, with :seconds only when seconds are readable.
4:01
